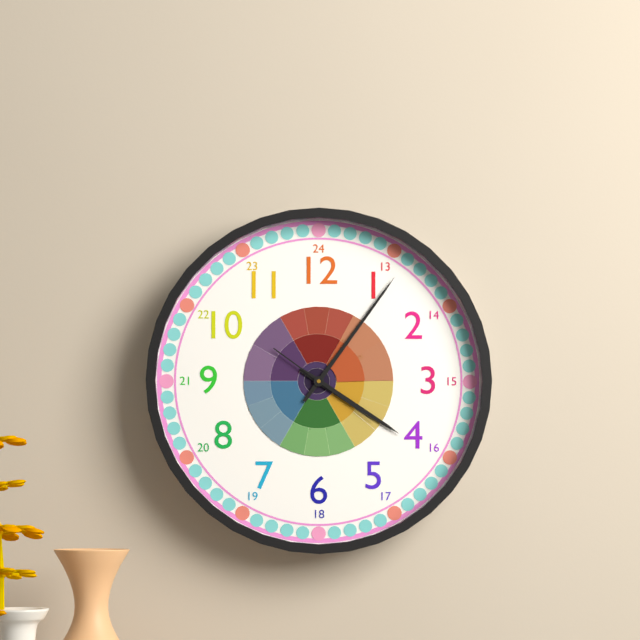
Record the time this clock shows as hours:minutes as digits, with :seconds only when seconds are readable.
4:06:21
